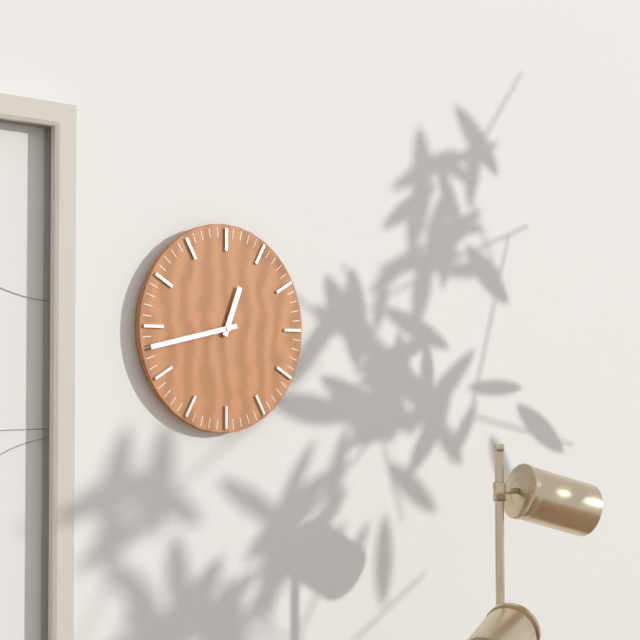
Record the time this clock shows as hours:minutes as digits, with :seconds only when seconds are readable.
12:43
